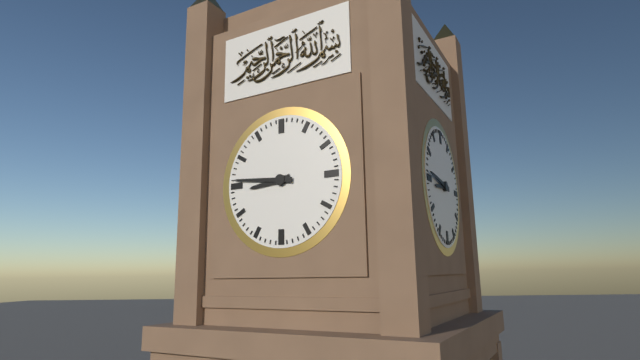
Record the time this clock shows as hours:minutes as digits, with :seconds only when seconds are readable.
8:46
